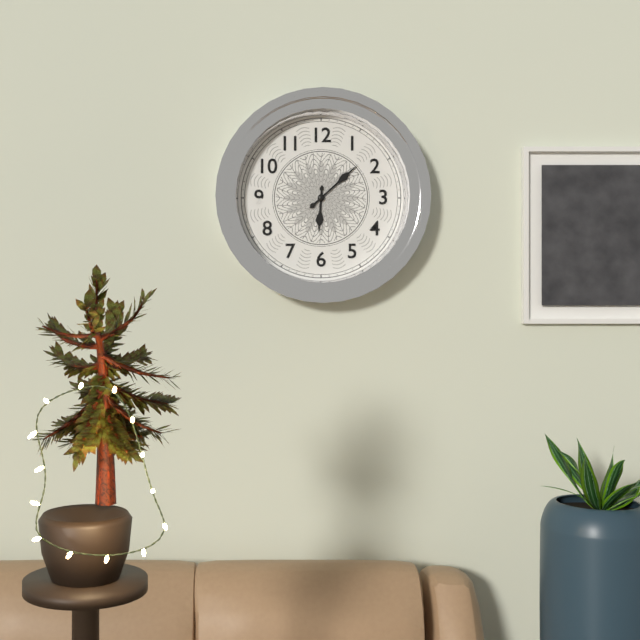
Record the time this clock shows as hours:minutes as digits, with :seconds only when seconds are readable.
6:08
